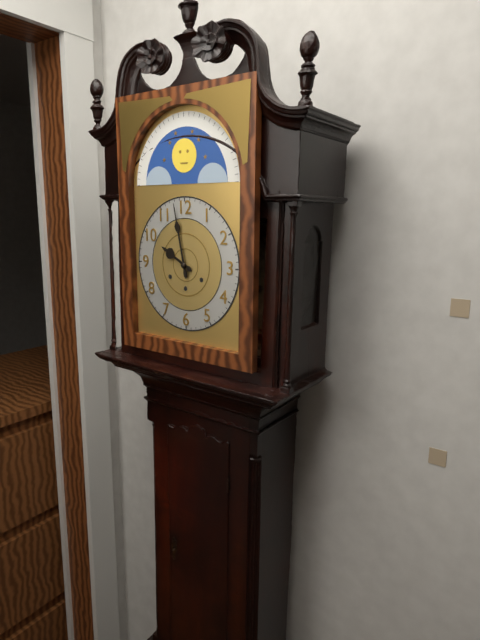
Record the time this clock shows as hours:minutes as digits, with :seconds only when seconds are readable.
9:58
